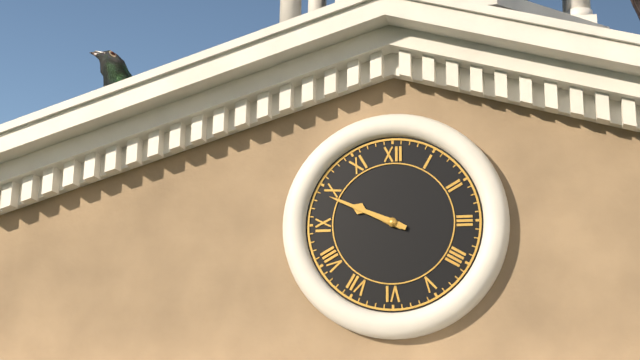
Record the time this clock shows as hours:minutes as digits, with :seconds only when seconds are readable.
9:49
